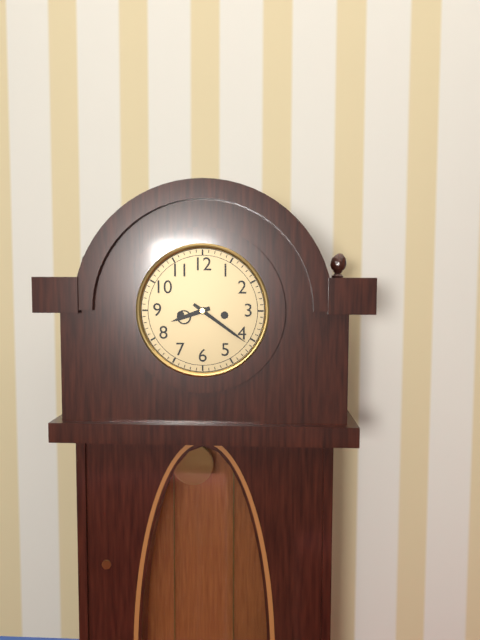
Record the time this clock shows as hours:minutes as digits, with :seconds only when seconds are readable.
8:21
